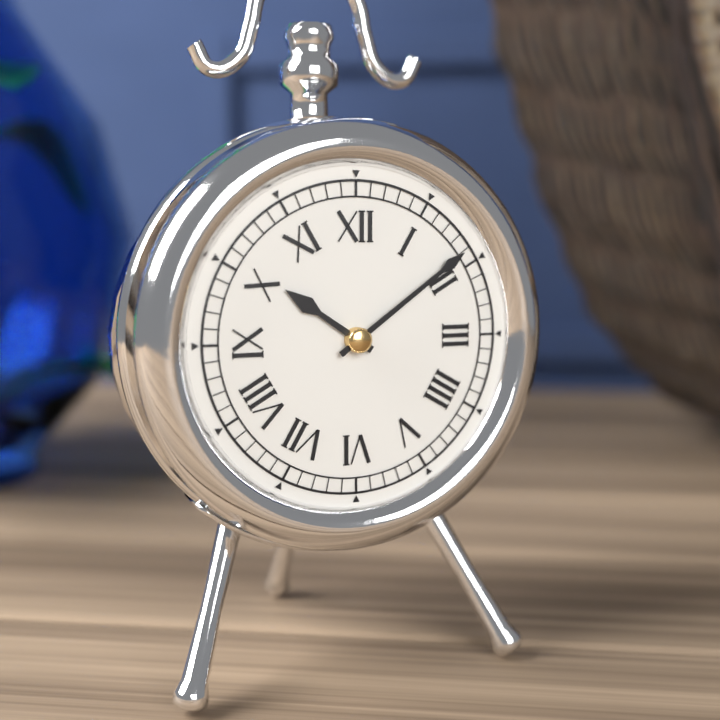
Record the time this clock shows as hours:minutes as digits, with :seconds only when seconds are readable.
10:09
